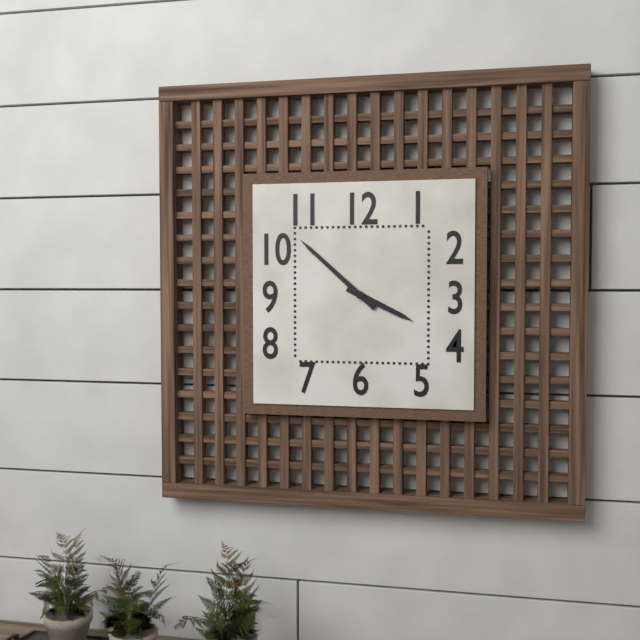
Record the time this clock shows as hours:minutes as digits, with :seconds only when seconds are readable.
3:52
